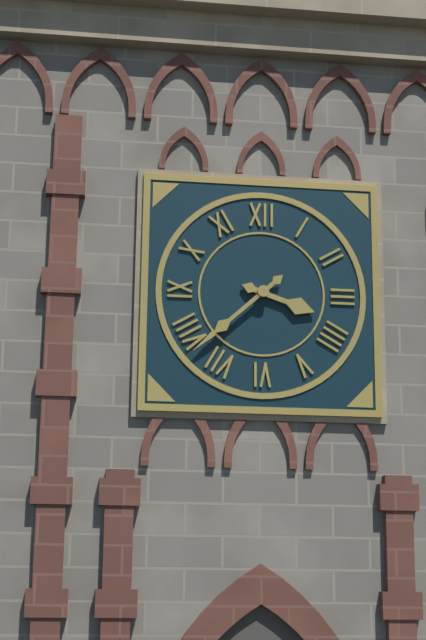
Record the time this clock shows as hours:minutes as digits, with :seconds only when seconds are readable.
3:38
